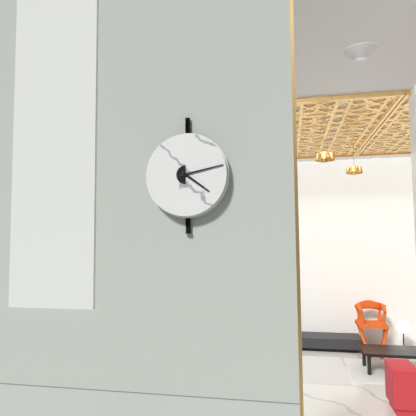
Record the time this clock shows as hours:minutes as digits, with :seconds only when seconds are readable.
4:13
